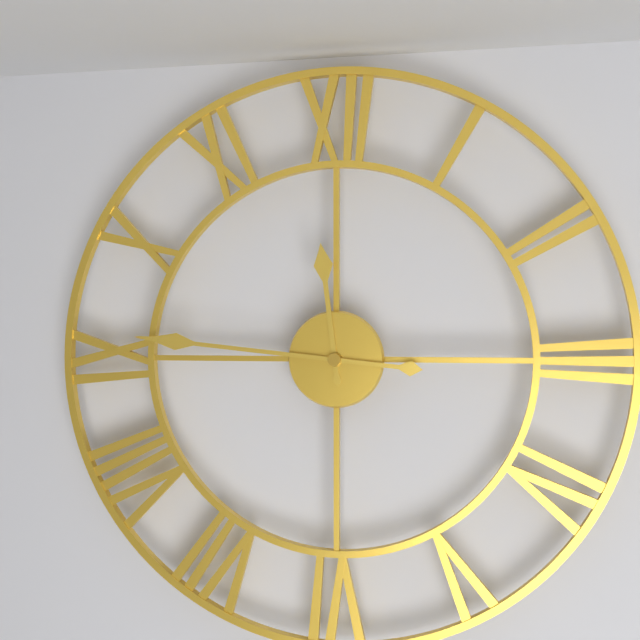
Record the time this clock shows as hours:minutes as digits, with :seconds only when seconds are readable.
11:46
